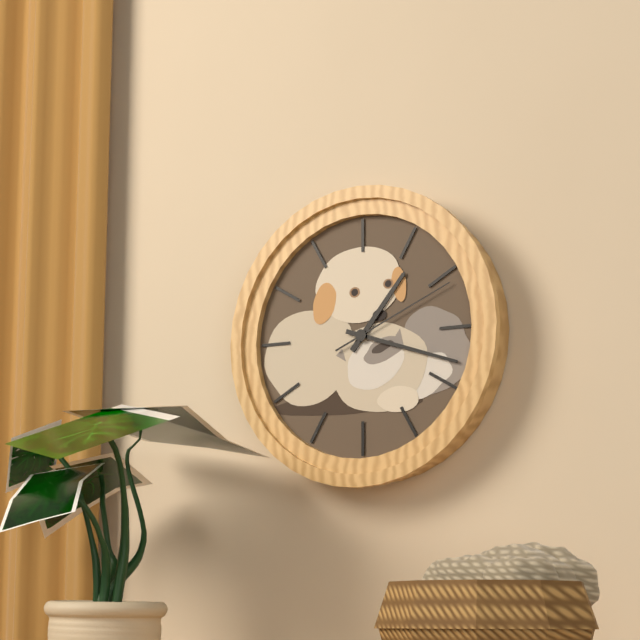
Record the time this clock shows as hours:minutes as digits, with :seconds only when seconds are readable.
1:18:11
